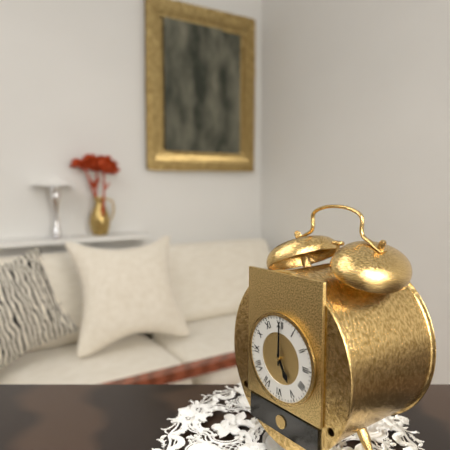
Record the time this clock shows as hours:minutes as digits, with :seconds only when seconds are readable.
5:00
